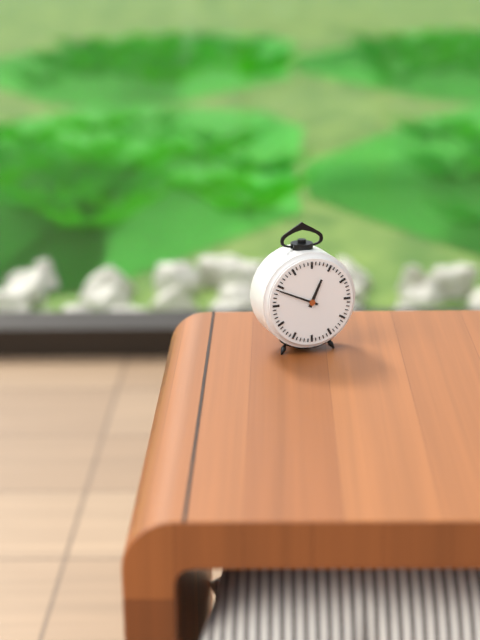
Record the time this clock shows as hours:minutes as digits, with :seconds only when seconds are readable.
12:49
